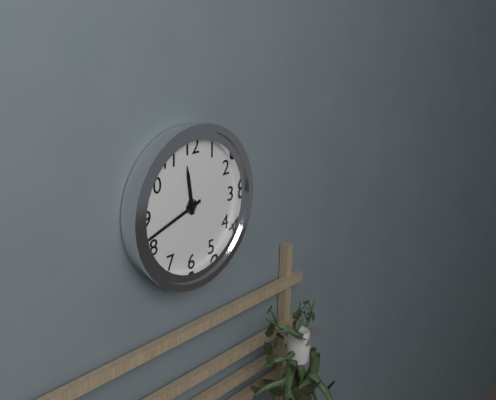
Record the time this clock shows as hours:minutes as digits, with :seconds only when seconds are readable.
11:42
